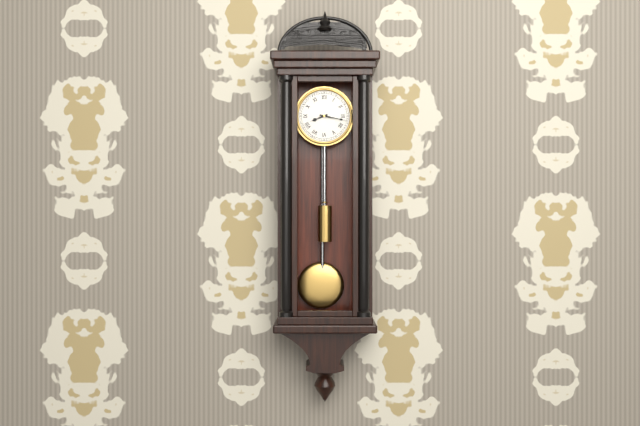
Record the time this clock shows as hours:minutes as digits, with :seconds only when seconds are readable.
8:17
